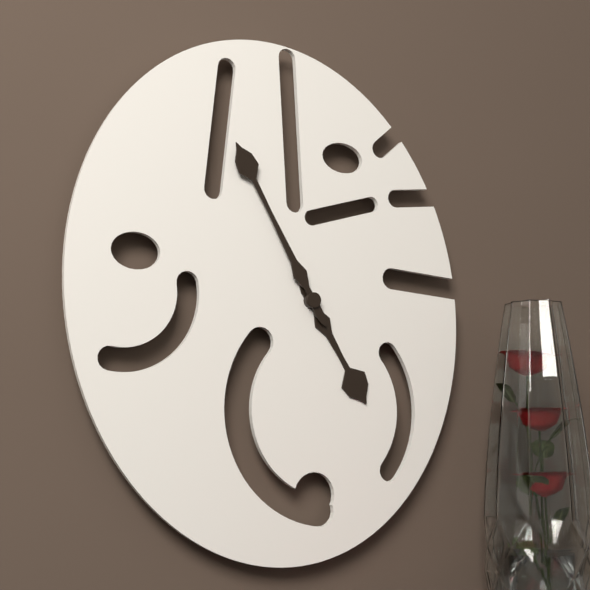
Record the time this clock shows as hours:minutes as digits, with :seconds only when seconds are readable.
4:55
